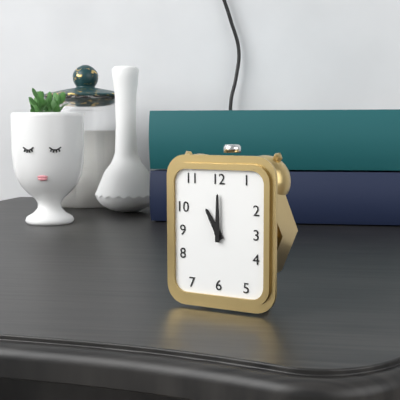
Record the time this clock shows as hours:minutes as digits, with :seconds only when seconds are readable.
11:00
